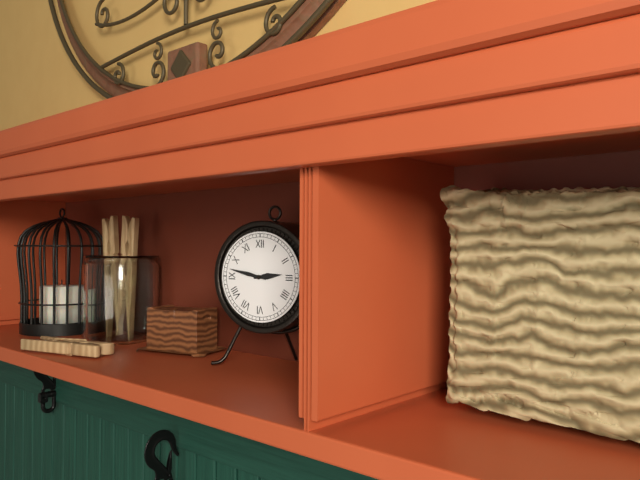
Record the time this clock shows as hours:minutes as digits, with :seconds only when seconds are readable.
2:47
